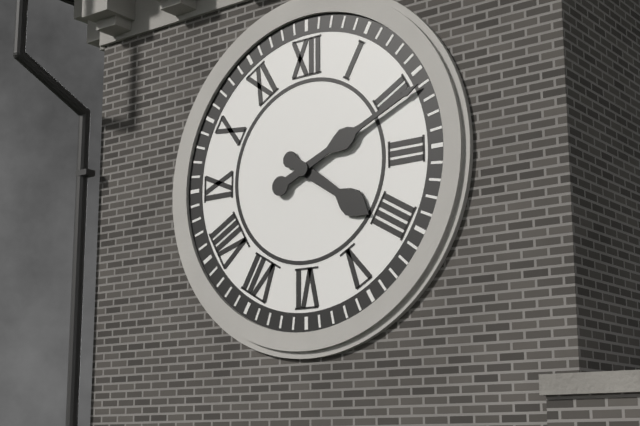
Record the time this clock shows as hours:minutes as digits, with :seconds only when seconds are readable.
4:11
